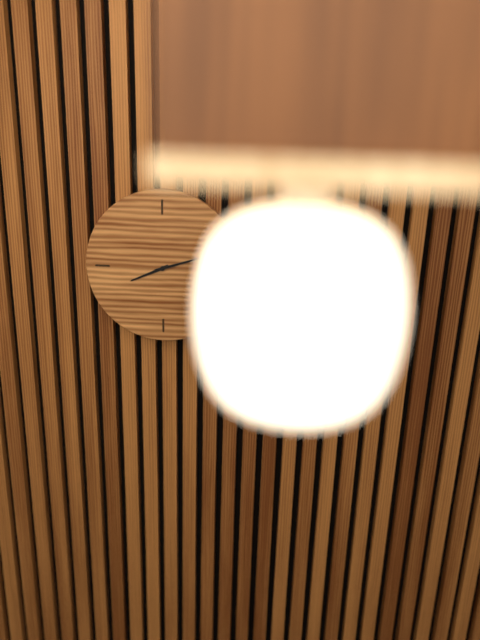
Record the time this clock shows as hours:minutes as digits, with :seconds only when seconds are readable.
8:12
